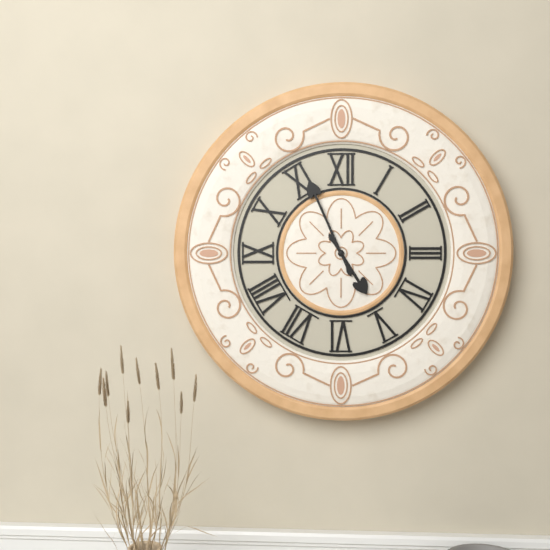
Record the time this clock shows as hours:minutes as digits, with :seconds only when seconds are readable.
4:56
